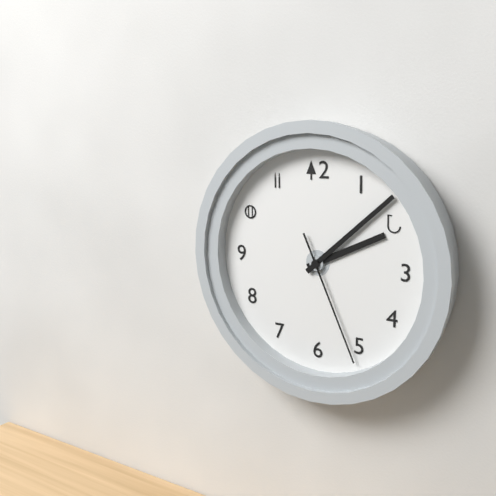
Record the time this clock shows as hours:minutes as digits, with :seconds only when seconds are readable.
2:08:26
